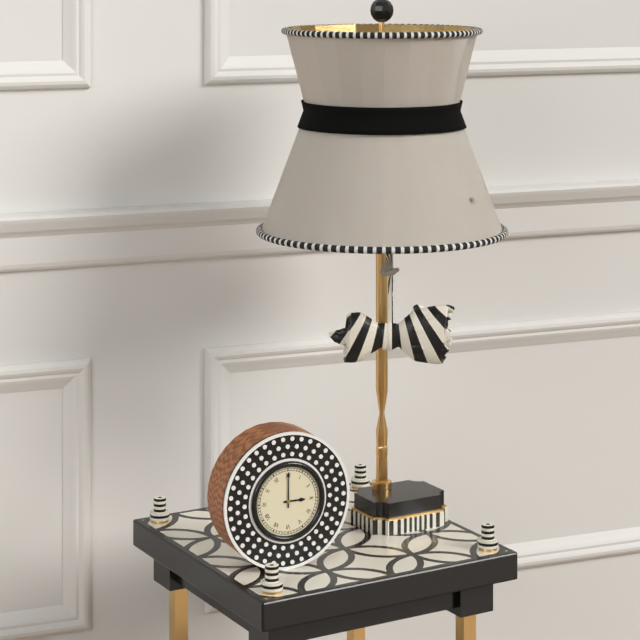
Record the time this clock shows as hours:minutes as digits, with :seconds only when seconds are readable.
3:00
